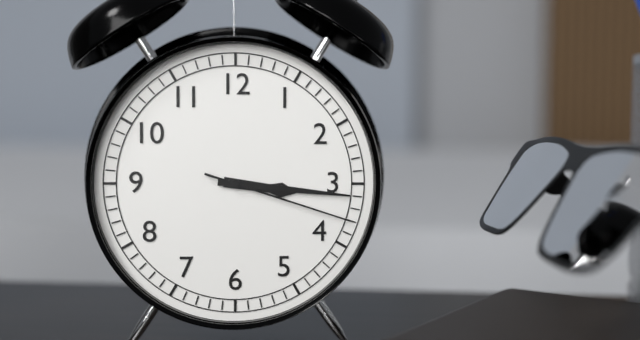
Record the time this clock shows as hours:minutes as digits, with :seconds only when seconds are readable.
3:16:18
